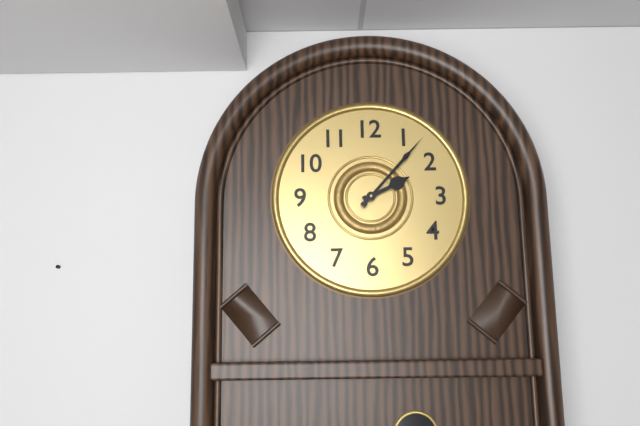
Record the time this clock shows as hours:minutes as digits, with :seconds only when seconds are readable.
2:07
